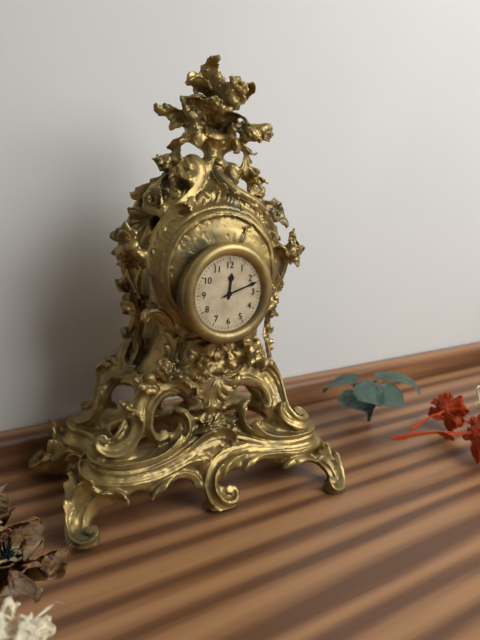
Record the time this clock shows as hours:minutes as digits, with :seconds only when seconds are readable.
12:12
